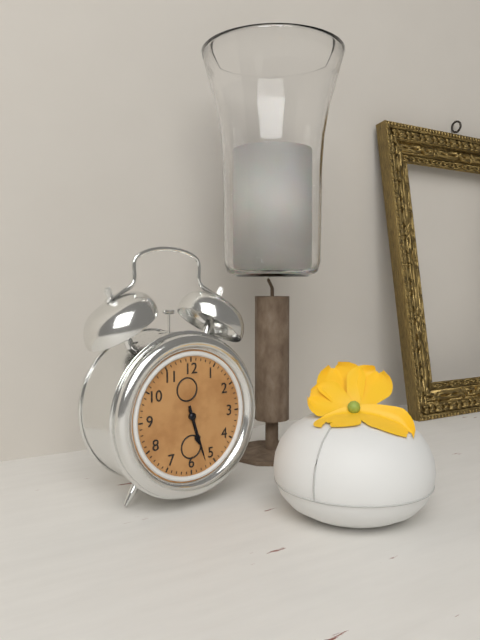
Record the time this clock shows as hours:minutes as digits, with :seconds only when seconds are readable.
5:27
